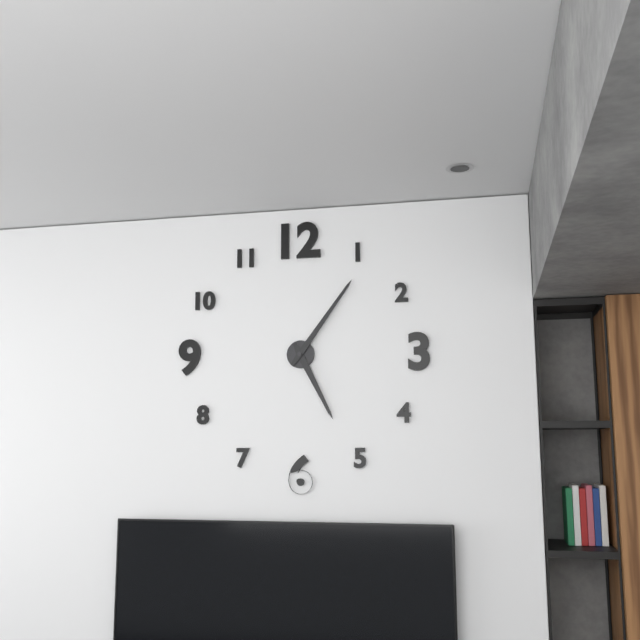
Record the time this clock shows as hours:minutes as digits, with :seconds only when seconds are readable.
5:06
